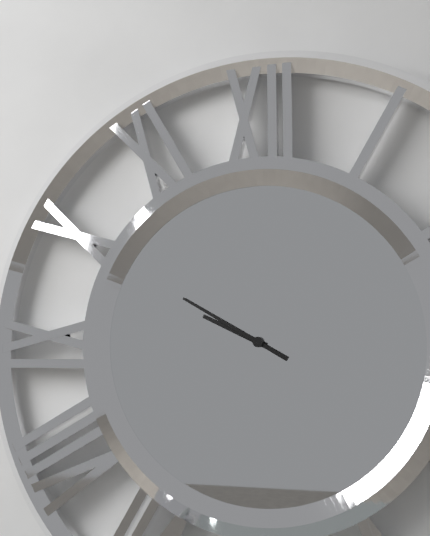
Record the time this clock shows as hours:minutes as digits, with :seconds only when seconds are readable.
9:50
